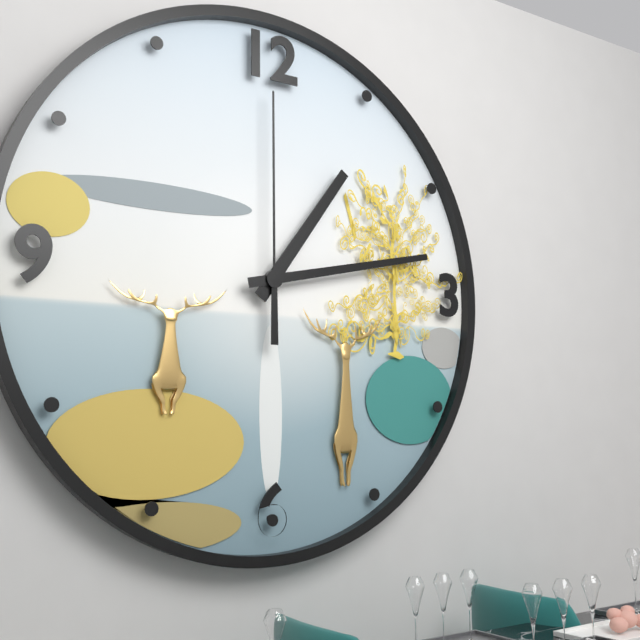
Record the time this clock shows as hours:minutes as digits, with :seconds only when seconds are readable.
1:13:00
